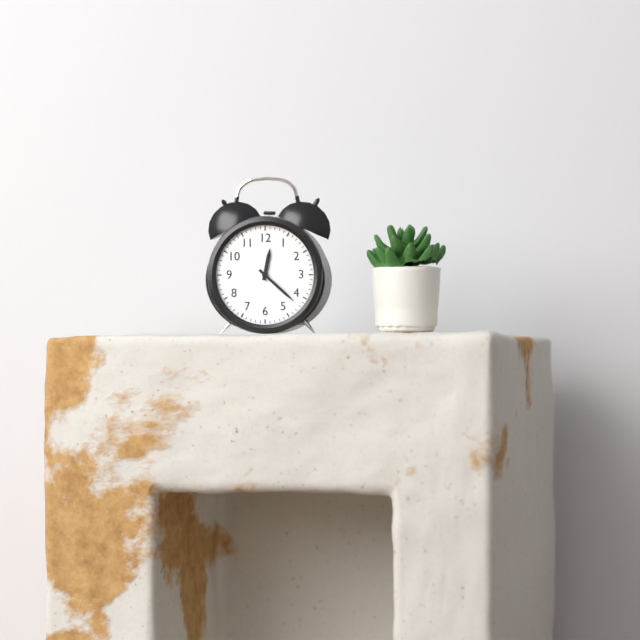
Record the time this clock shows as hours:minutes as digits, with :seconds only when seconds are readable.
12:22
